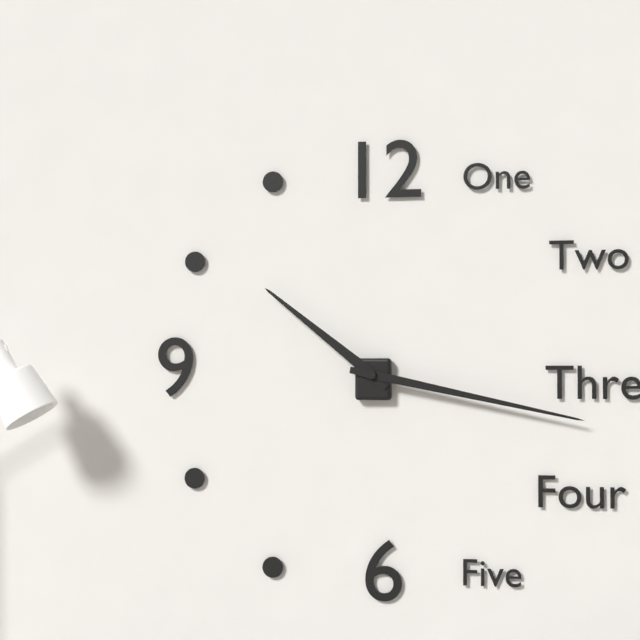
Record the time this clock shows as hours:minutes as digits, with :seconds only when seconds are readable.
10:17
